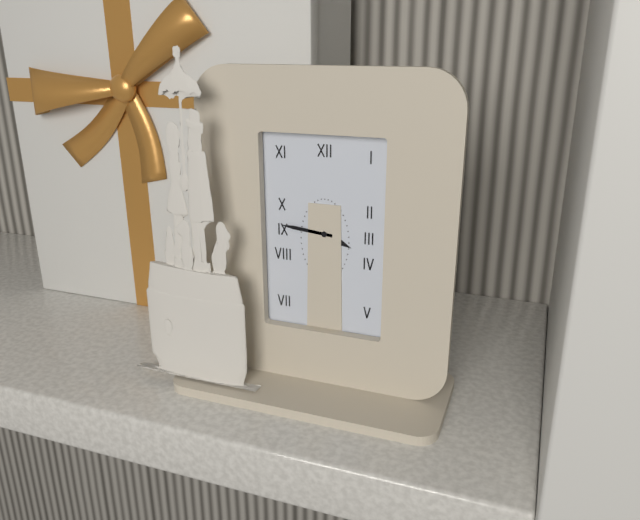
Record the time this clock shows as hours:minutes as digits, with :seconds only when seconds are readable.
3:46
